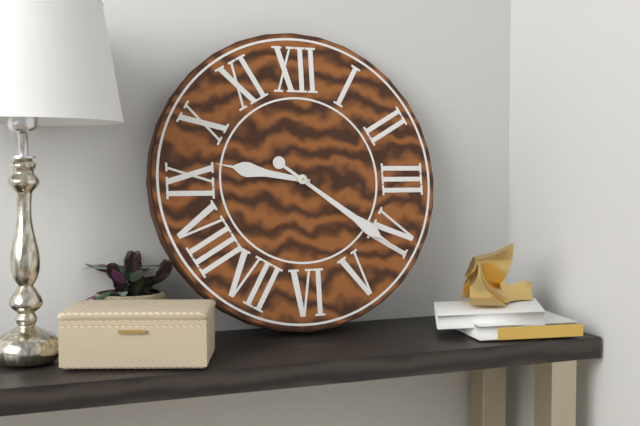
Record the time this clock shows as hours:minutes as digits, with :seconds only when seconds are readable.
9:21
